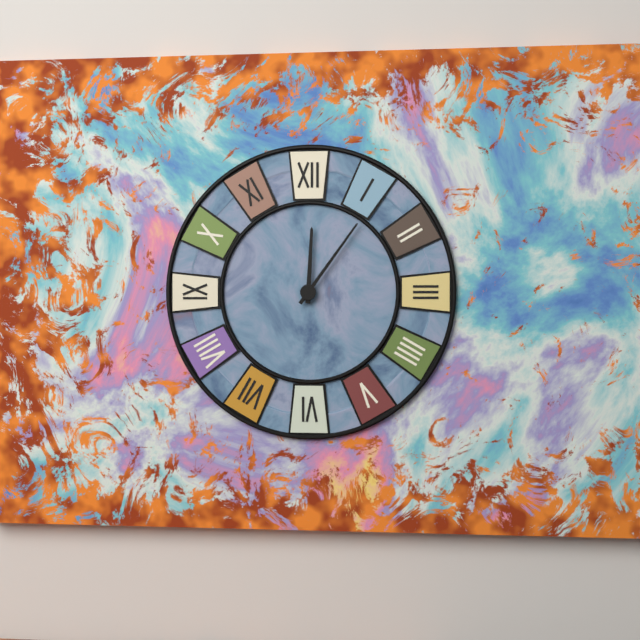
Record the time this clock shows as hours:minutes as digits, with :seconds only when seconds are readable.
12:06
